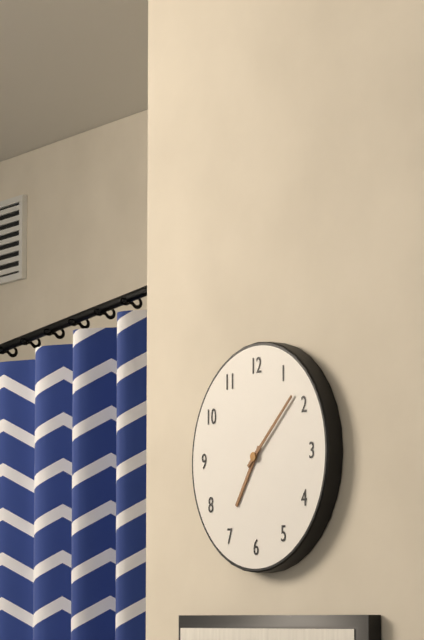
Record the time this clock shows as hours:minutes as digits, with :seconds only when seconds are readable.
7:08
